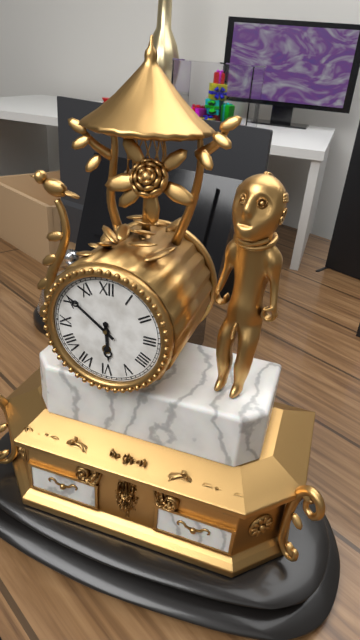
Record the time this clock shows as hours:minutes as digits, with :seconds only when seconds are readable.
5:51
